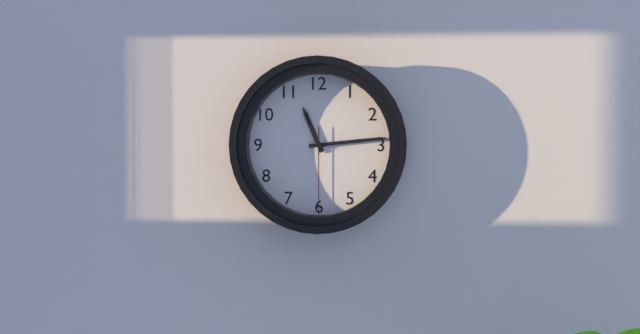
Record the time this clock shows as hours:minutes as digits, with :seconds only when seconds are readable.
11:14:30
